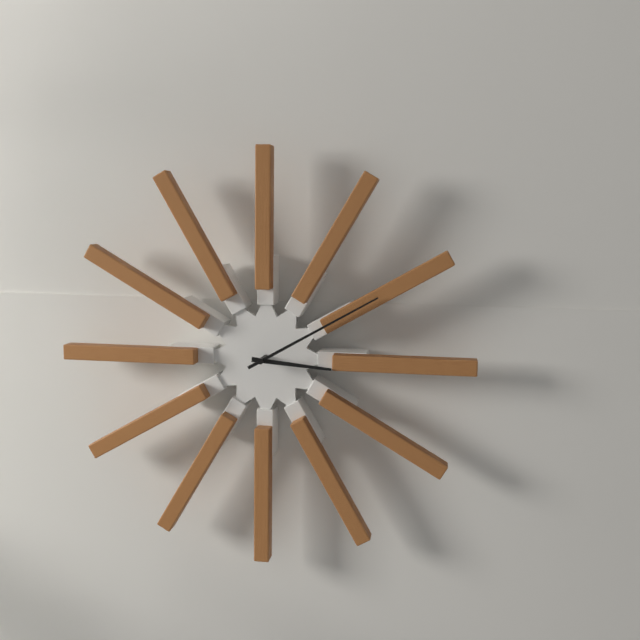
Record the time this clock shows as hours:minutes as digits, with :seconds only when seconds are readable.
3:10
